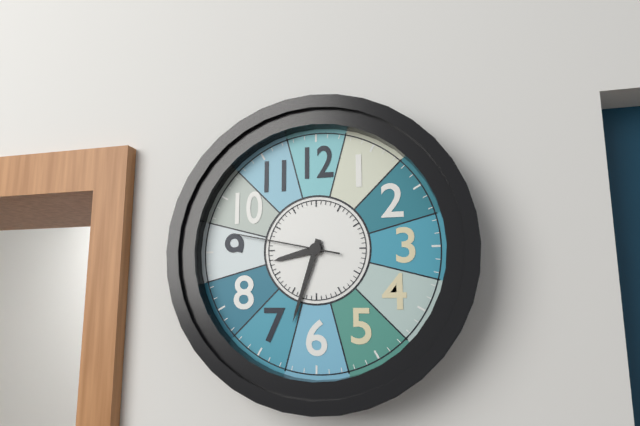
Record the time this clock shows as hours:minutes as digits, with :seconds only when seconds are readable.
8:33:47
